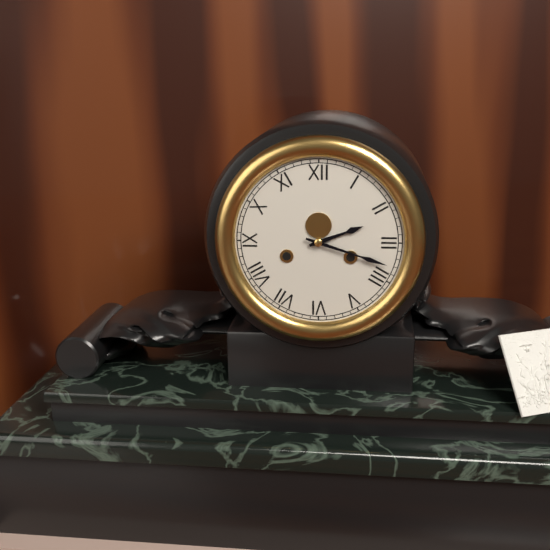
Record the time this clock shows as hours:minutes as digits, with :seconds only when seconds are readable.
2:18
